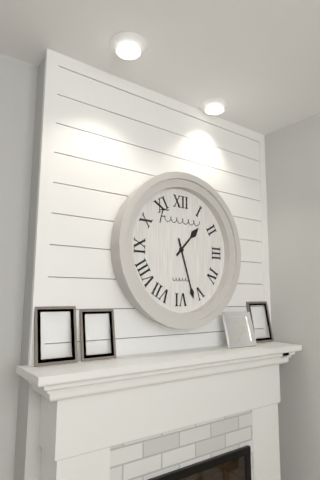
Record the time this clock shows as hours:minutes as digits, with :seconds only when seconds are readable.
1:27
